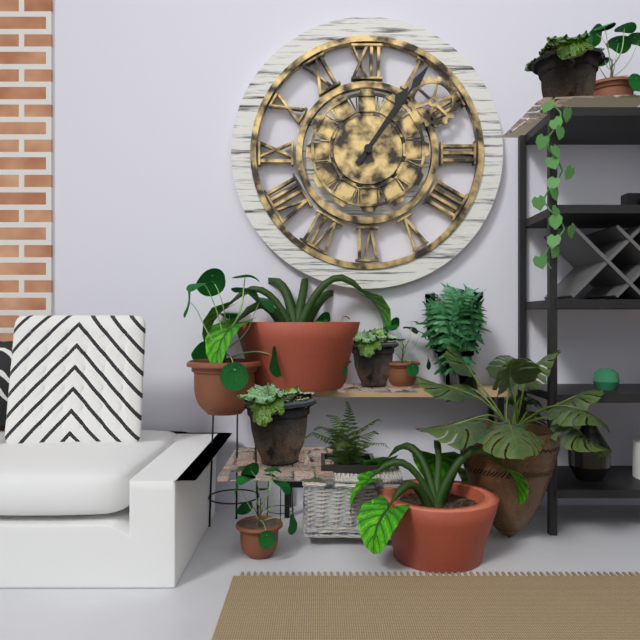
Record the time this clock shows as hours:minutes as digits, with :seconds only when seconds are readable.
1:06
